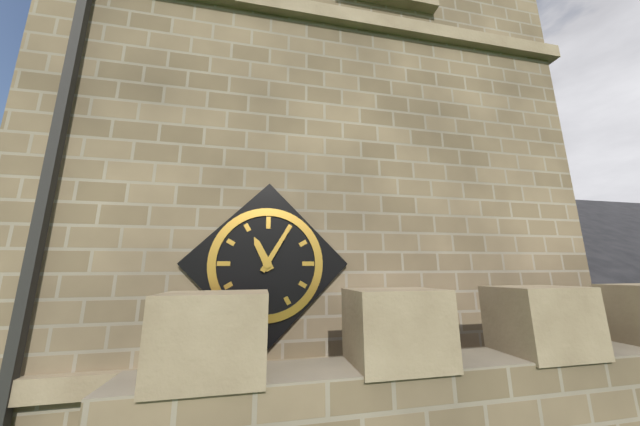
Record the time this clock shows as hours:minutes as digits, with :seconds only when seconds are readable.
11:05
